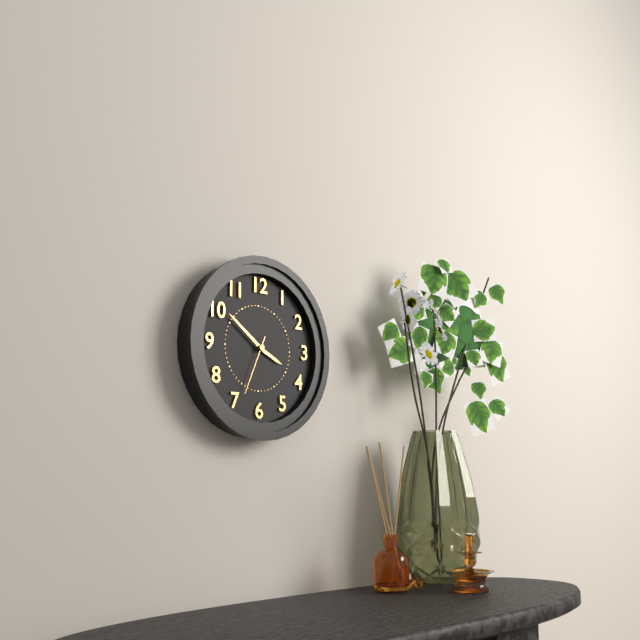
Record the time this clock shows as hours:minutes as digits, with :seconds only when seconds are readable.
3:51:34
